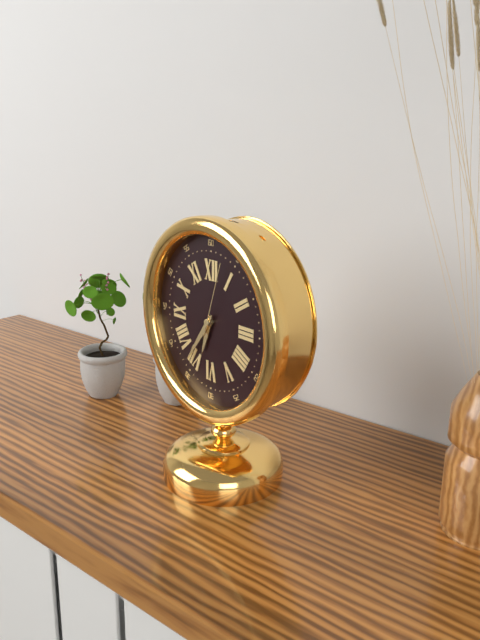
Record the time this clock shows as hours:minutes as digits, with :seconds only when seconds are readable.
6:36:03
